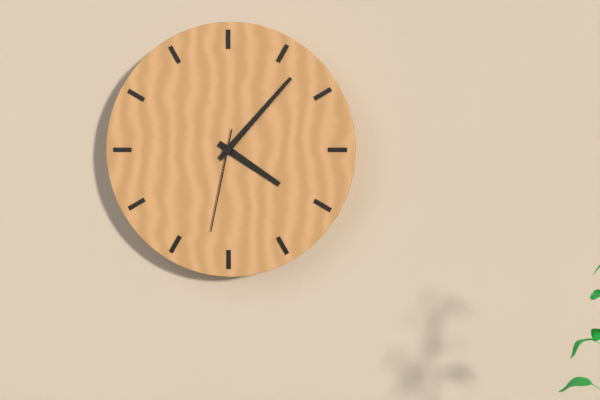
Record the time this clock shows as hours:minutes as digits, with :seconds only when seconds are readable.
4:07:32
